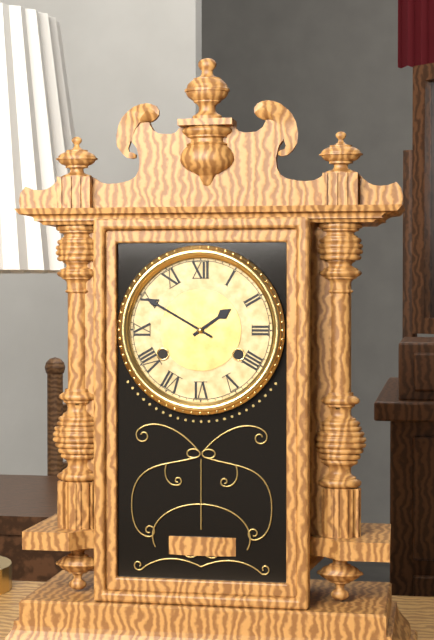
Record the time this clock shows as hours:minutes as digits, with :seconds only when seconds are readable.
1:50
